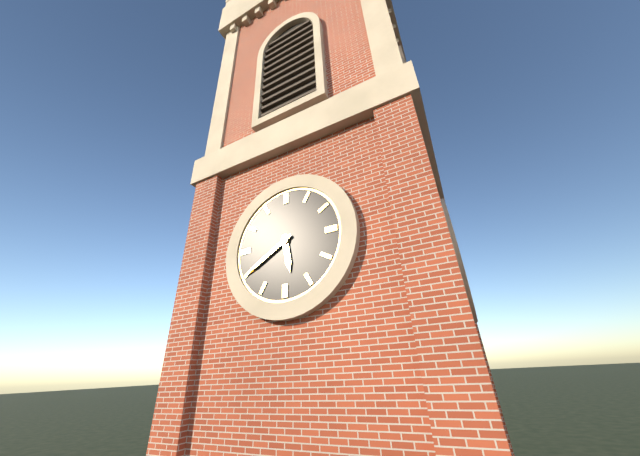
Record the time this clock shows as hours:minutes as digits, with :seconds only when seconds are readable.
5:40
